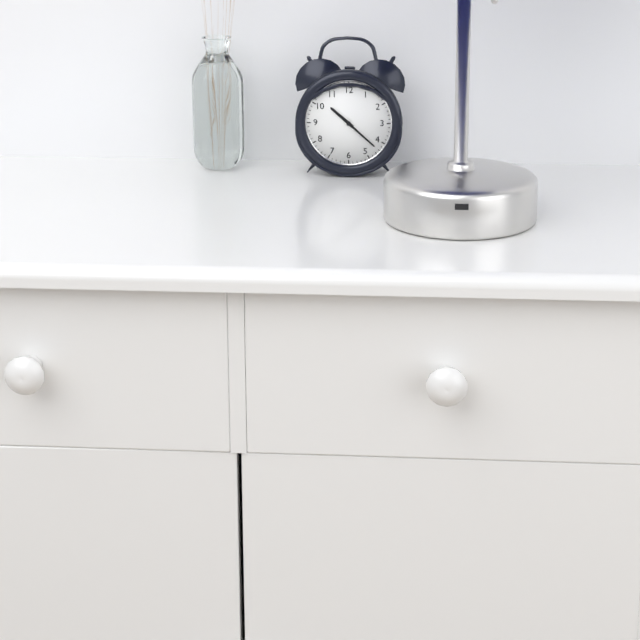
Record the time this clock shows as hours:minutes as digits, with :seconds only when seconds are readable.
10:22
